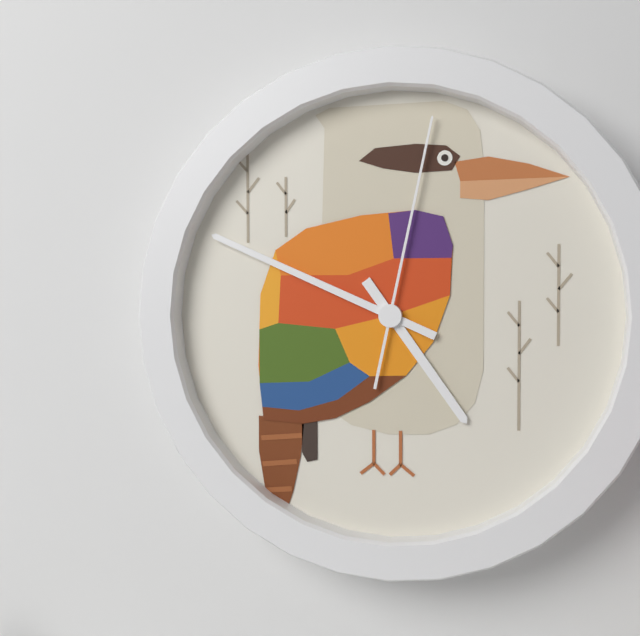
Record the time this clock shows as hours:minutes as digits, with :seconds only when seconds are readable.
4:49:02
